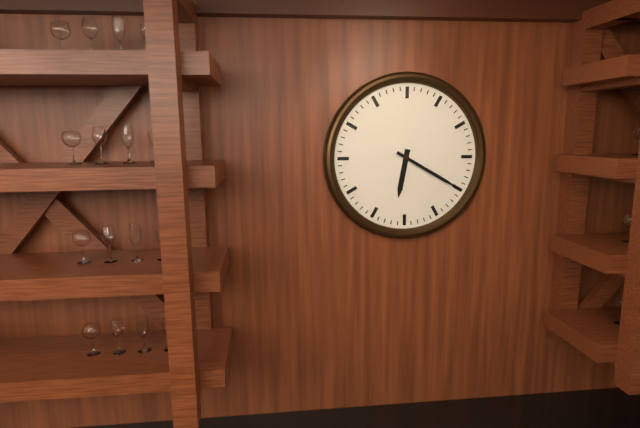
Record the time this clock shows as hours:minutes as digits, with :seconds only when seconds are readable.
6:20
